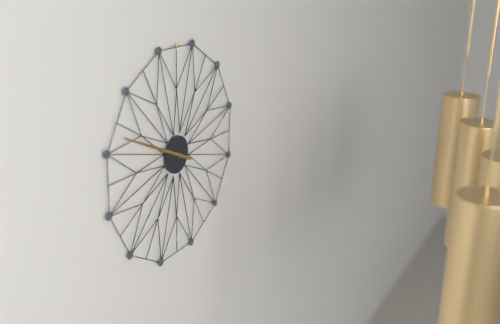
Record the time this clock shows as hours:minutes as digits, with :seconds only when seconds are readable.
9:49
